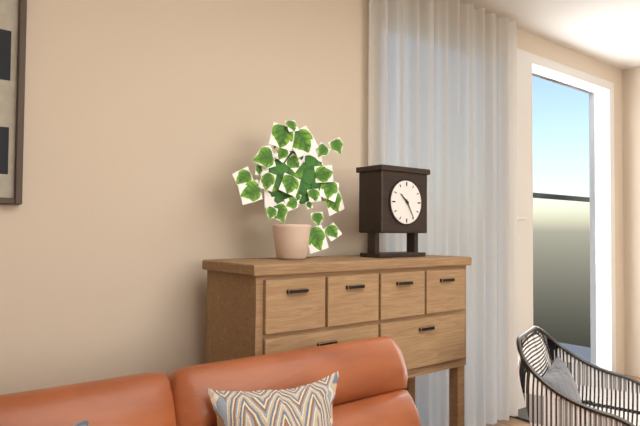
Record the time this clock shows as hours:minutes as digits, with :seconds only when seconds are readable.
10:25
